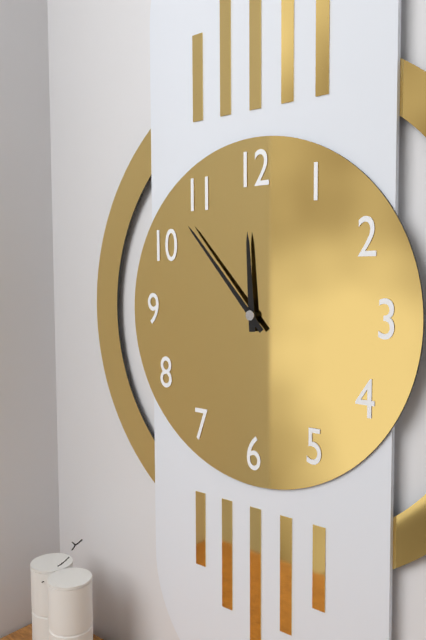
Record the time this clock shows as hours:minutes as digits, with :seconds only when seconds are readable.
11:53
